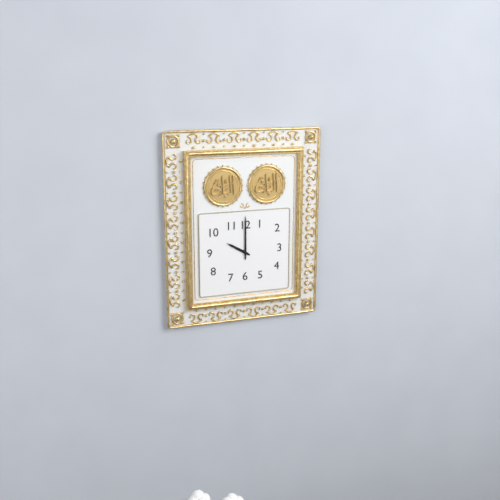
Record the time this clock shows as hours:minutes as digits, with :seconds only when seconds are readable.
10:00
